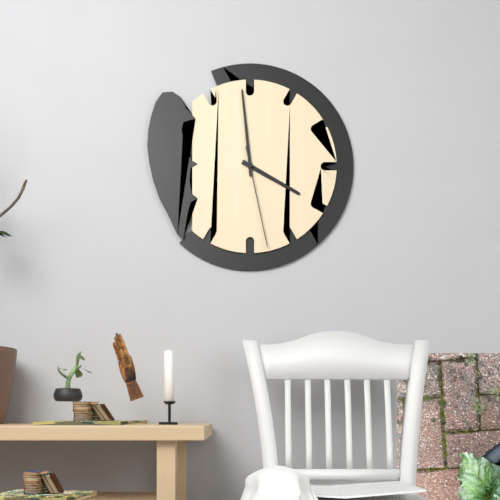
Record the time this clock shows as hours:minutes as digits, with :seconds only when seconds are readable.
3:59:28
